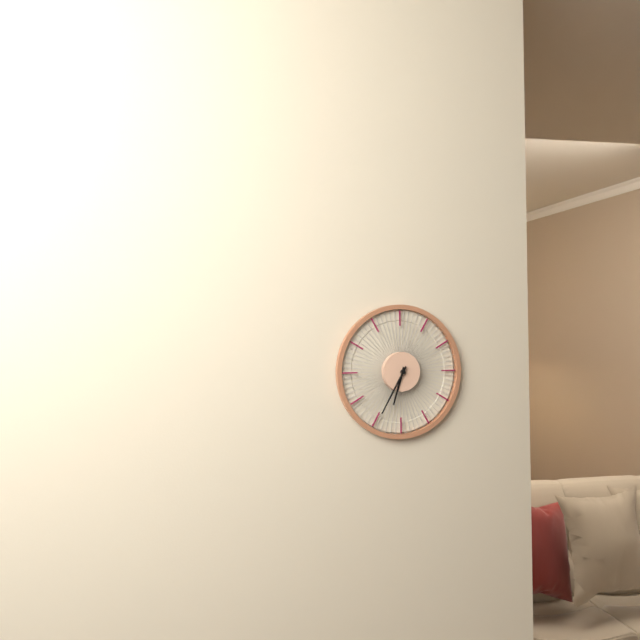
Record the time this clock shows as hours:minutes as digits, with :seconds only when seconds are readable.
6:35
